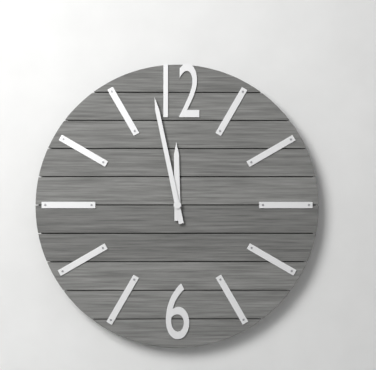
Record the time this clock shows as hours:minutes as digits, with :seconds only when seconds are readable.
11:58
